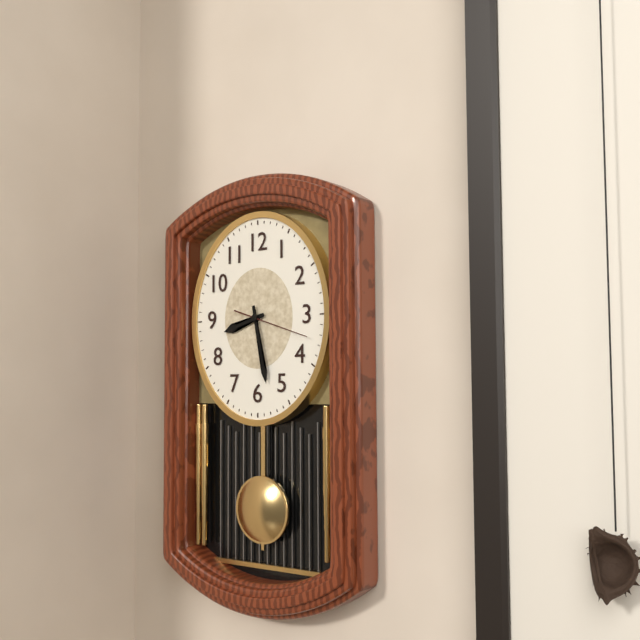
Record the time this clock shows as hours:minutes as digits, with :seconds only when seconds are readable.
8:28:18
